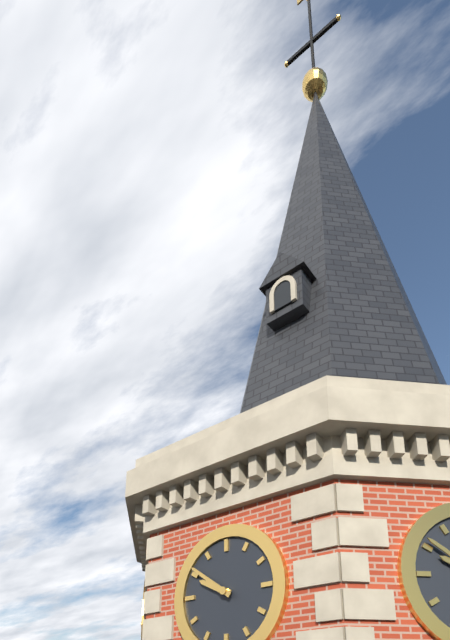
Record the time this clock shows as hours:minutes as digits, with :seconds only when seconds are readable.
9:51
